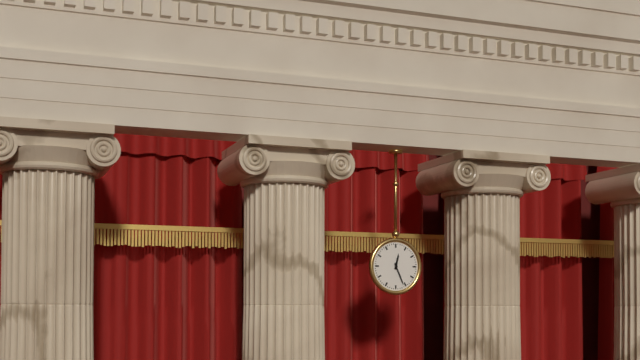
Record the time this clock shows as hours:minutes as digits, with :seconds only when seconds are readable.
12:26
